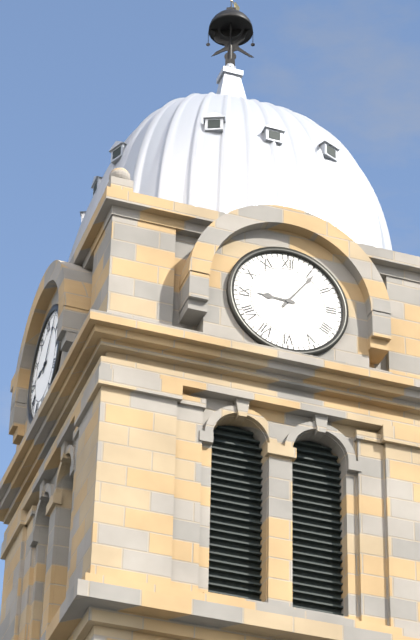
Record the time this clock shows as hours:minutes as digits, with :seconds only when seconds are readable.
9:06
